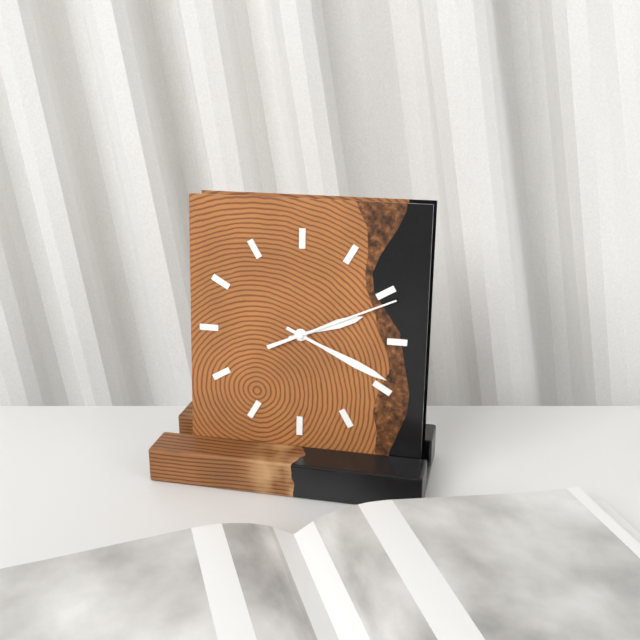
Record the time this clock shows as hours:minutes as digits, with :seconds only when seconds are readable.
2:19:11
